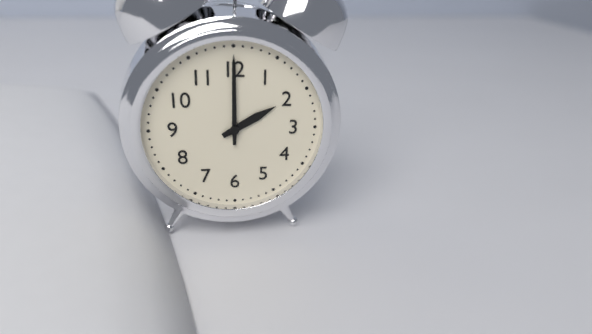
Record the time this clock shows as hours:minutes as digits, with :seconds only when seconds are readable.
2:00
